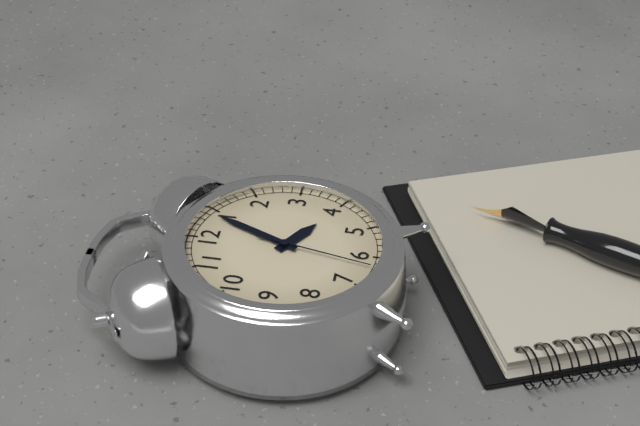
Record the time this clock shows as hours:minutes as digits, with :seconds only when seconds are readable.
4:04:32
